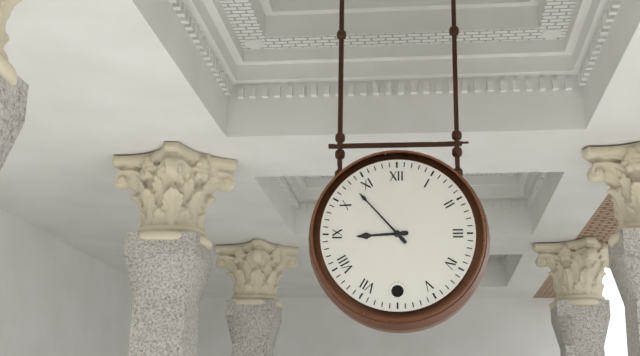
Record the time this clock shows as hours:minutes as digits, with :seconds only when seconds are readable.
8:53
